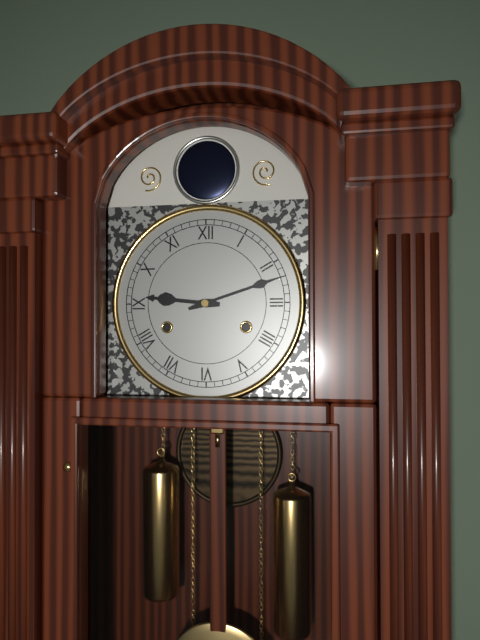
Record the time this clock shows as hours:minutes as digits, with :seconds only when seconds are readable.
9:12
